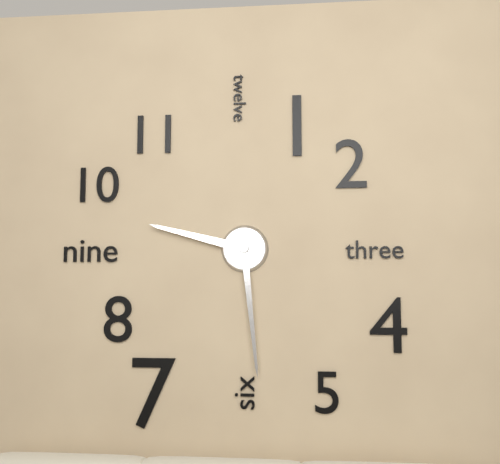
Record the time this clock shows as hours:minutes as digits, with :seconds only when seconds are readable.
9:29
